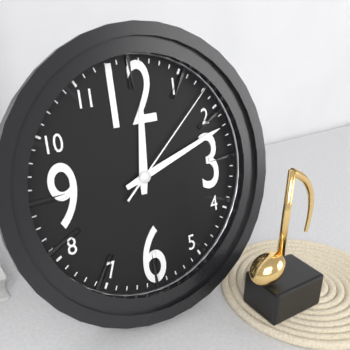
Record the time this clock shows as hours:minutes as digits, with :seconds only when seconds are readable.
12:12:08
